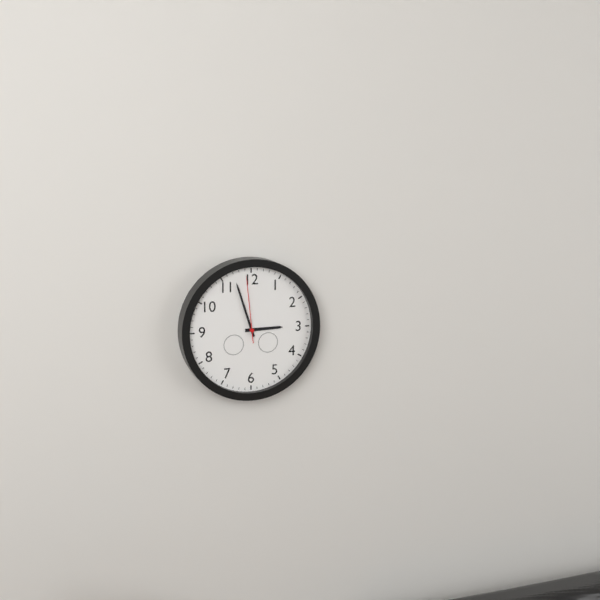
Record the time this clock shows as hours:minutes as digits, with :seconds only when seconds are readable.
2:57:59
